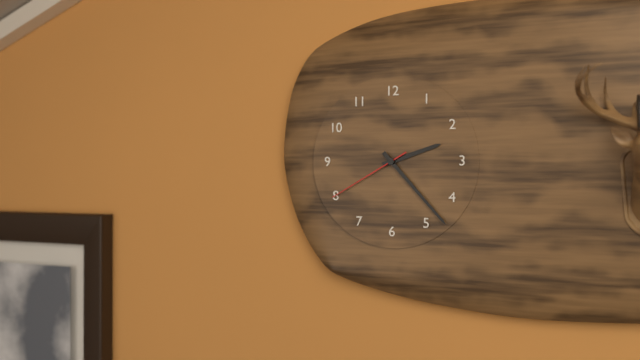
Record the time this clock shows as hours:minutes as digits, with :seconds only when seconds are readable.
2:23:40
